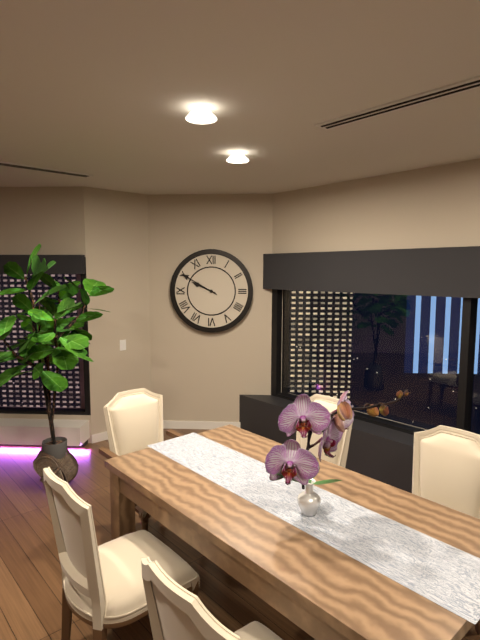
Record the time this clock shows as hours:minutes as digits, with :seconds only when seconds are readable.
9:50
